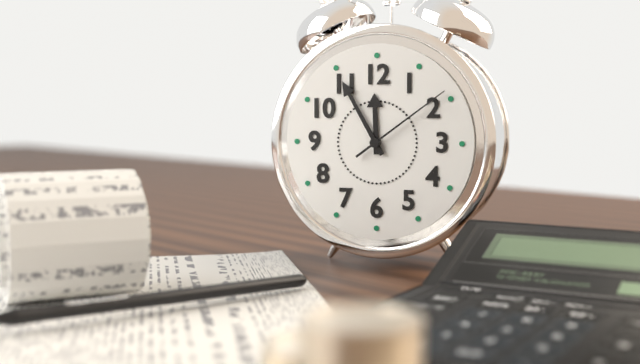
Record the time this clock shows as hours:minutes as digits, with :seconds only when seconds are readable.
11:55:09
